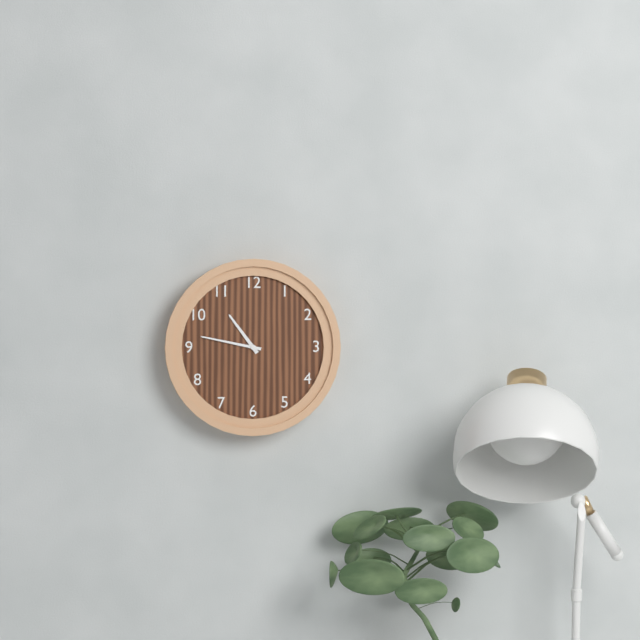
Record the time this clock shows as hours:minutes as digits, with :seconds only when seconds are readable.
10:47
